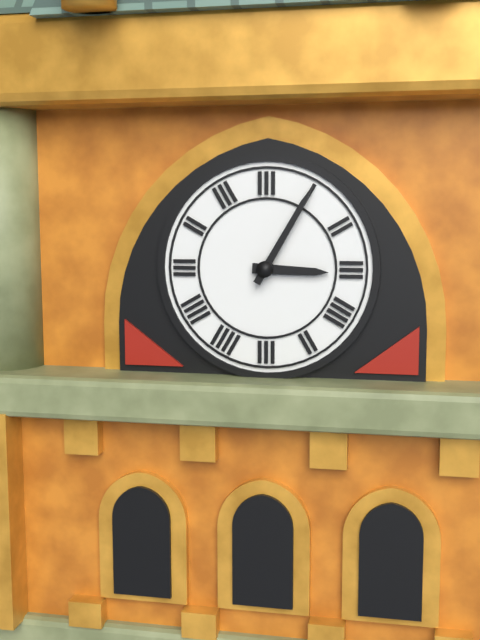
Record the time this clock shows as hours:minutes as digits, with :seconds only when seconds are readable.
3:05
